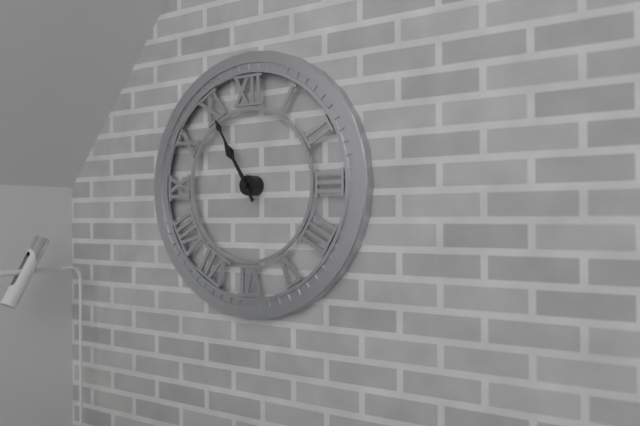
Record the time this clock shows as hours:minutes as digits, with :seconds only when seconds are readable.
10:55
